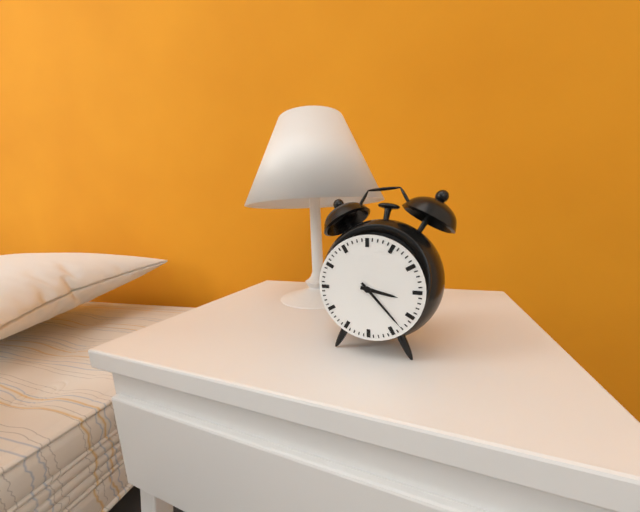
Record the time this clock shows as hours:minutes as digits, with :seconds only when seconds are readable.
3:23
